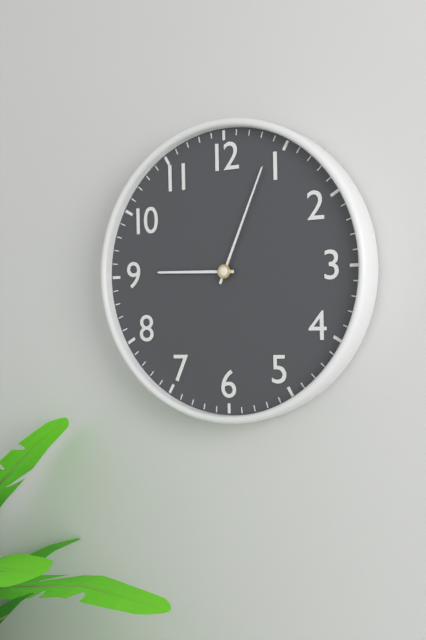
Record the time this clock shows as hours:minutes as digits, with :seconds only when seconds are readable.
9:04
